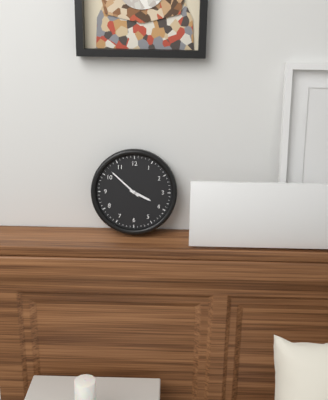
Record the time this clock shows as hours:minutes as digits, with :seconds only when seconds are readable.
3:52
